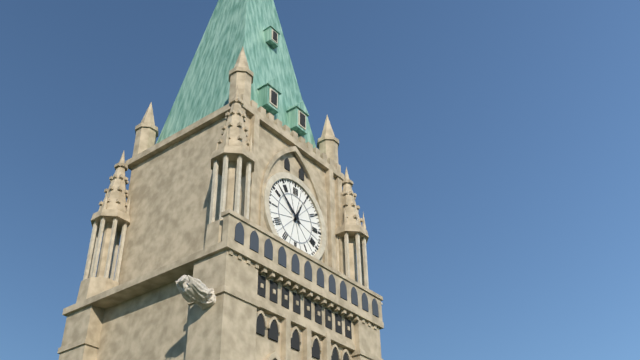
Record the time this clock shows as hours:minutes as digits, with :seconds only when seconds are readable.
12:52
